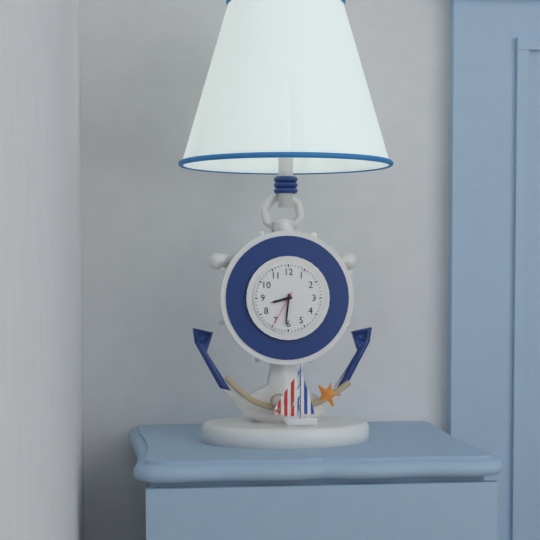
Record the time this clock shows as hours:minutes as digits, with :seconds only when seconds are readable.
8:31
